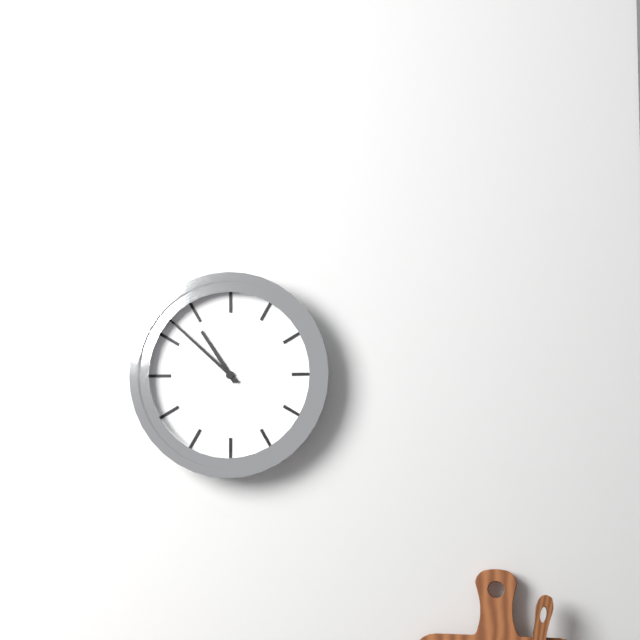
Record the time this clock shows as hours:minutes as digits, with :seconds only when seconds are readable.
10:52
